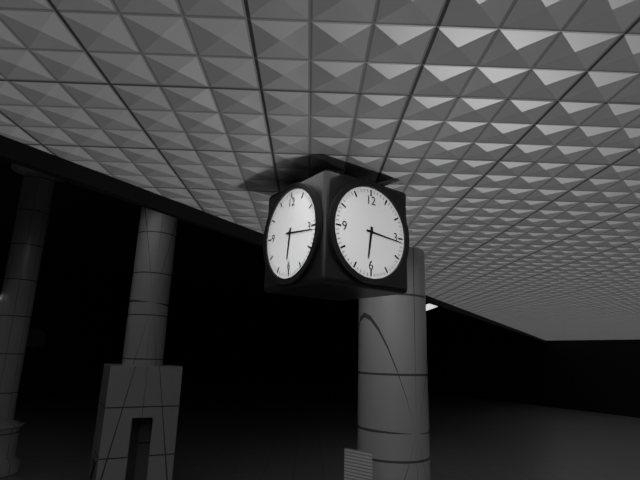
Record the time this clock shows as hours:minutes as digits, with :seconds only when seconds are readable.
6:16
